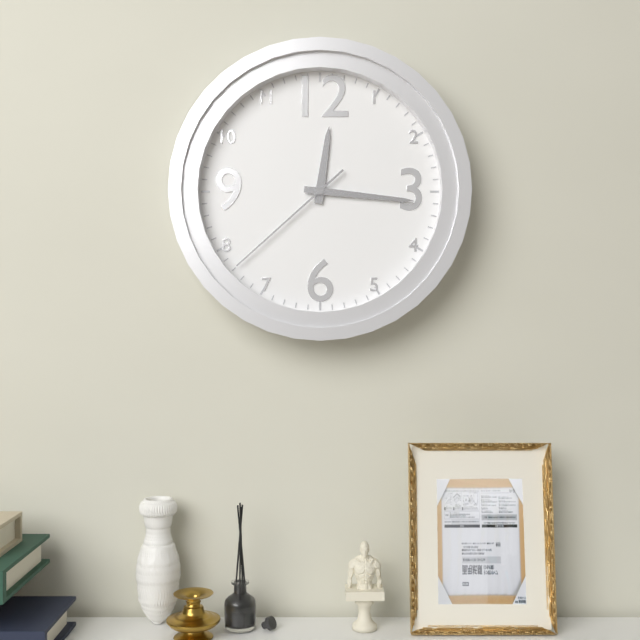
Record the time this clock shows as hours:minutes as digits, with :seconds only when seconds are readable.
12:16:38
